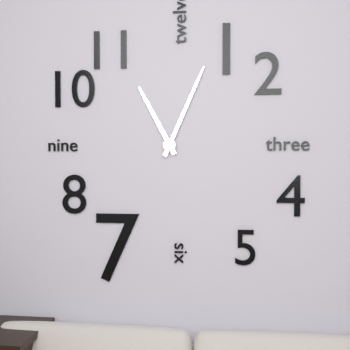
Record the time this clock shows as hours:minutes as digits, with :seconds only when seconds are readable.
11:04
